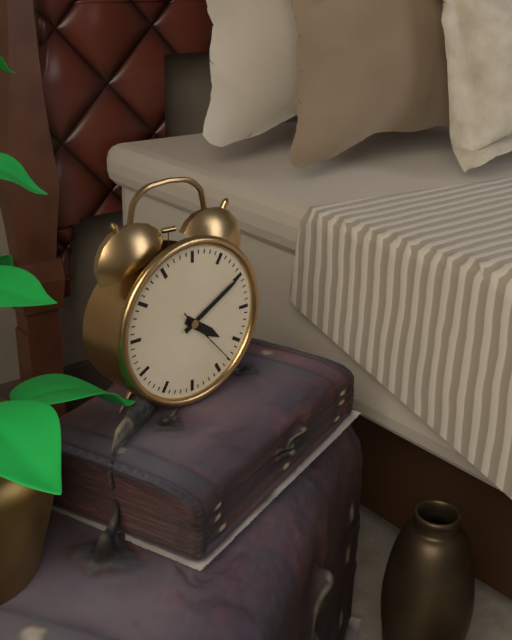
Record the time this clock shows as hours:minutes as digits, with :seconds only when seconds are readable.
4:10:23
